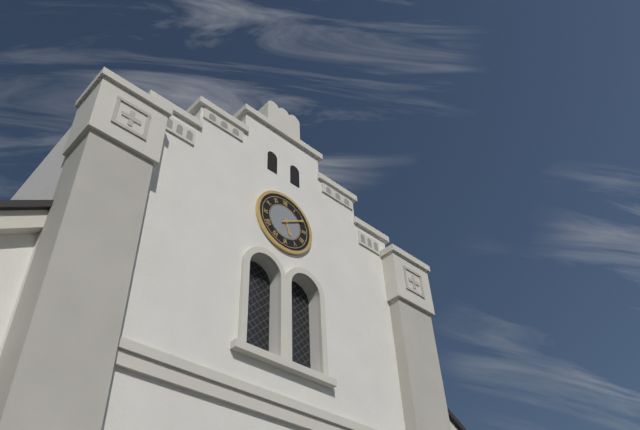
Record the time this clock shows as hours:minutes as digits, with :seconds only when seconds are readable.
5:10
